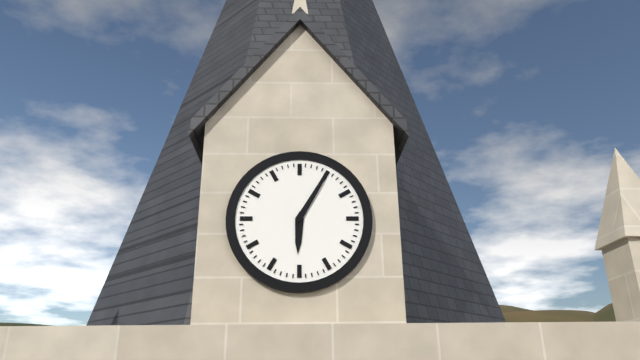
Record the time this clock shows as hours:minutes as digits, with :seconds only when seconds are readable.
6:05
